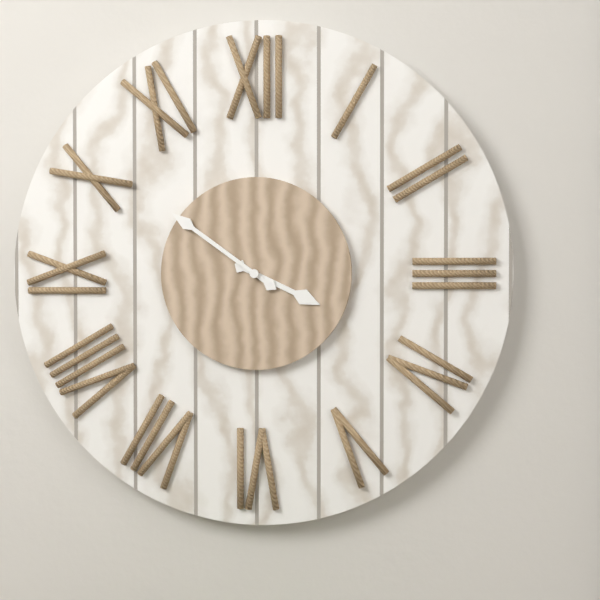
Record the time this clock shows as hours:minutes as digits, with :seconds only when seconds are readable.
3:51
